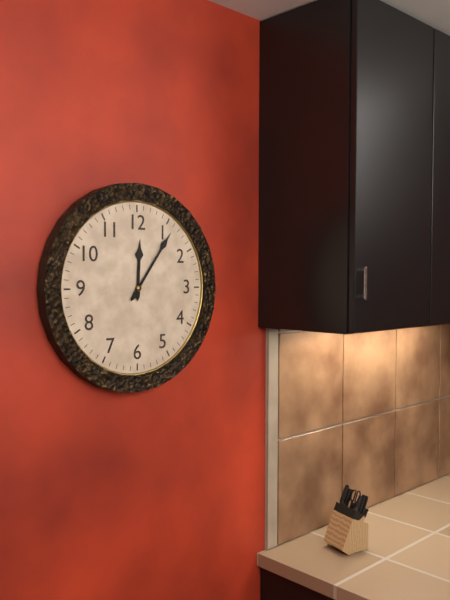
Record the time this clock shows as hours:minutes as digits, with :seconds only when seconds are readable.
12:06
